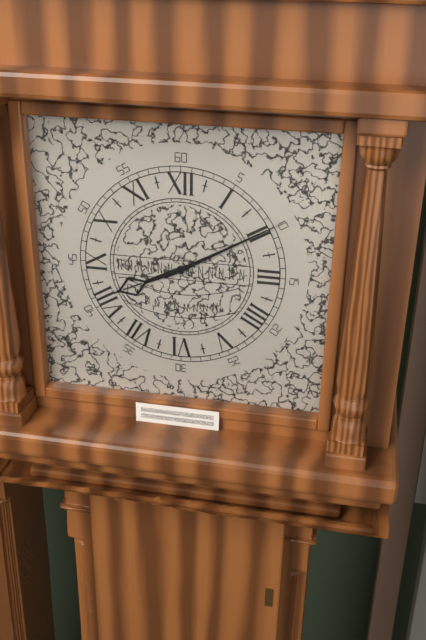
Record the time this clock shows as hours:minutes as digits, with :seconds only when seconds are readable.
8:10
